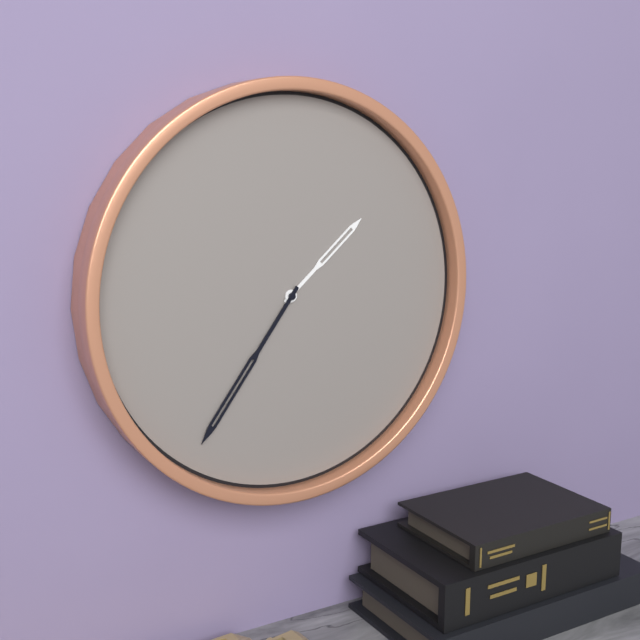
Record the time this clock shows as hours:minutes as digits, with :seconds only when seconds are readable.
1:36
